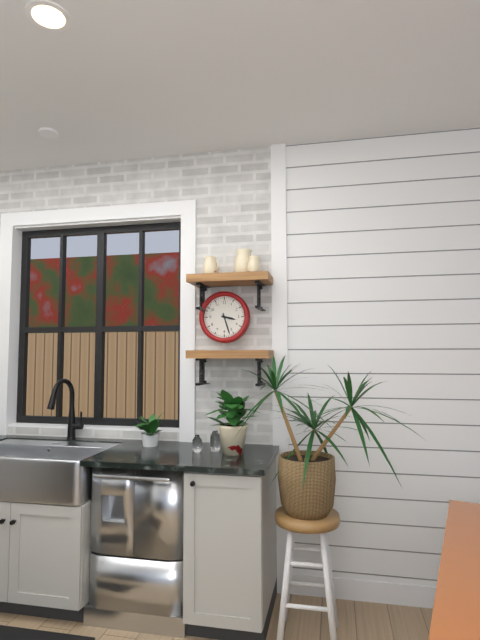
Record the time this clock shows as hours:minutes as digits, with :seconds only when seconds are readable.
3:27
